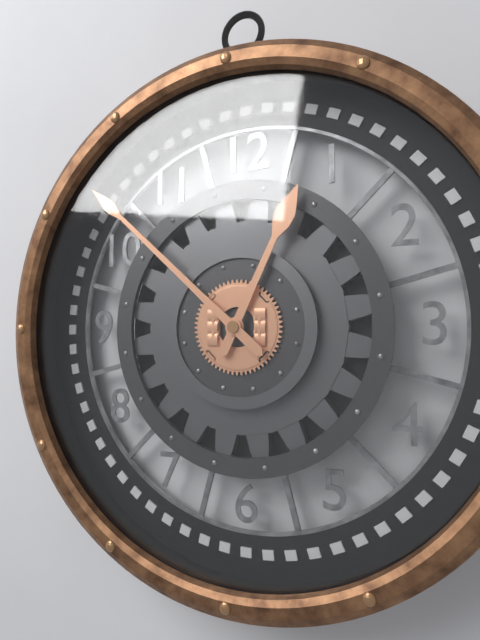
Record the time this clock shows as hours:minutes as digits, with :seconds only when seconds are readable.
12:52
